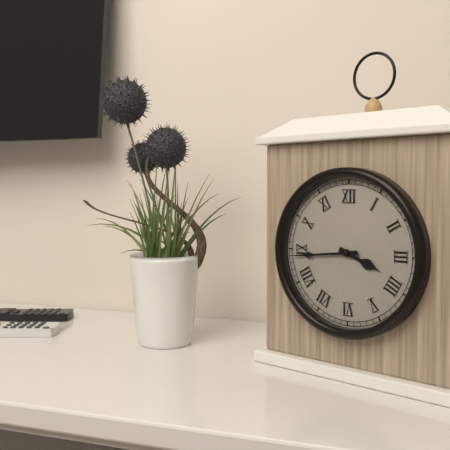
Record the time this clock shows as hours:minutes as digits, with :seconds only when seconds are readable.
3:44
